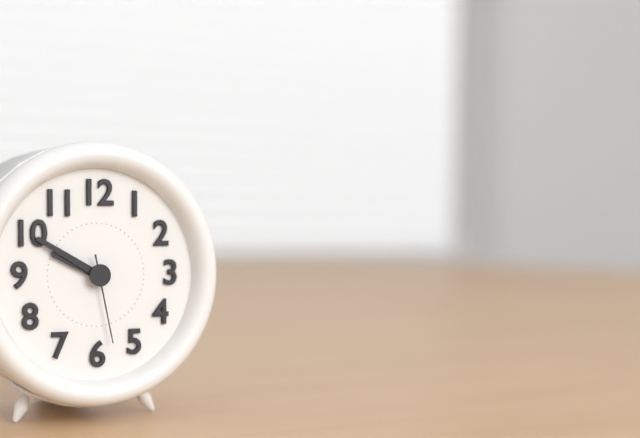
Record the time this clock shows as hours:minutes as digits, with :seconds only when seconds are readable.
9:50:28
